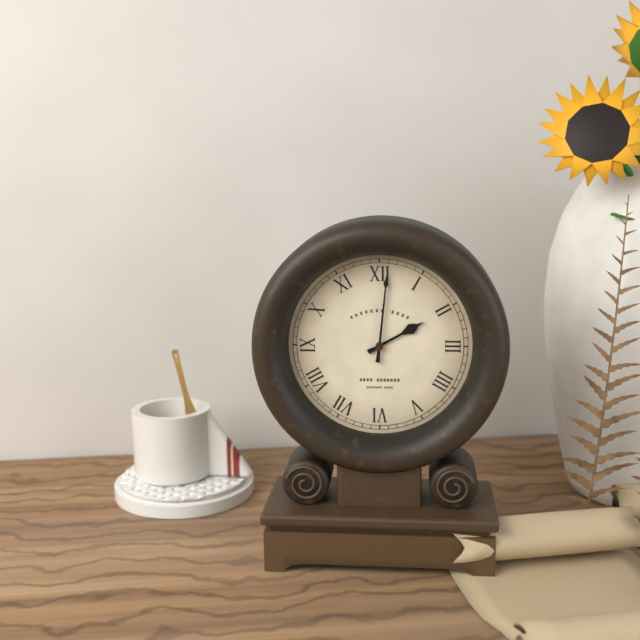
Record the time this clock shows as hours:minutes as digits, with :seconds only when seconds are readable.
2:01
